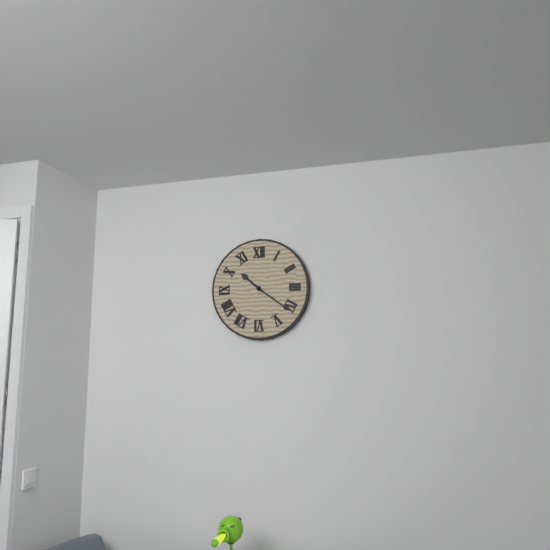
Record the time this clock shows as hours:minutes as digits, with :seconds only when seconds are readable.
10:21
